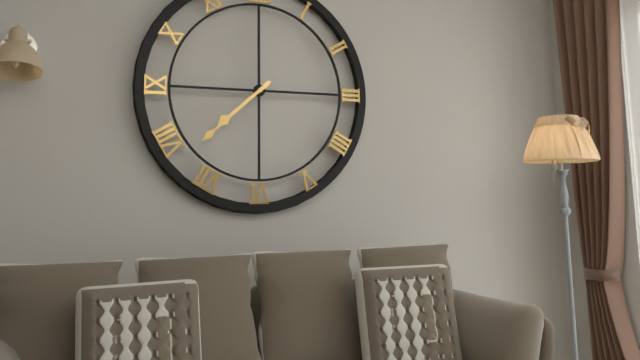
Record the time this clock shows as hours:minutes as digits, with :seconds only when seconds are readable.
7:38
